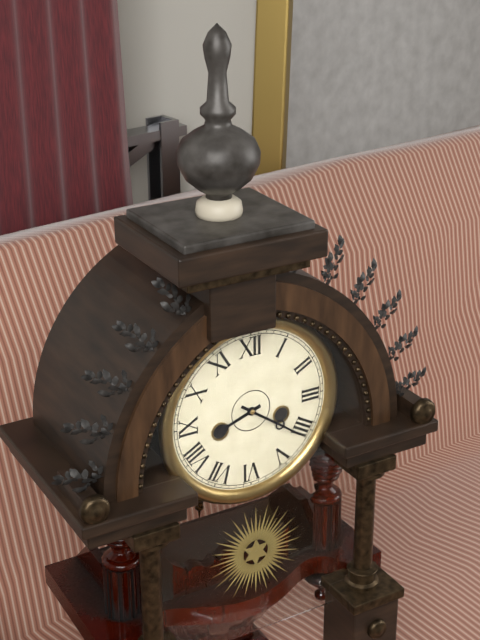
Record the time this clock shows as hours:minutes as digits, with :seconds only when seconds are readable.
8:21
